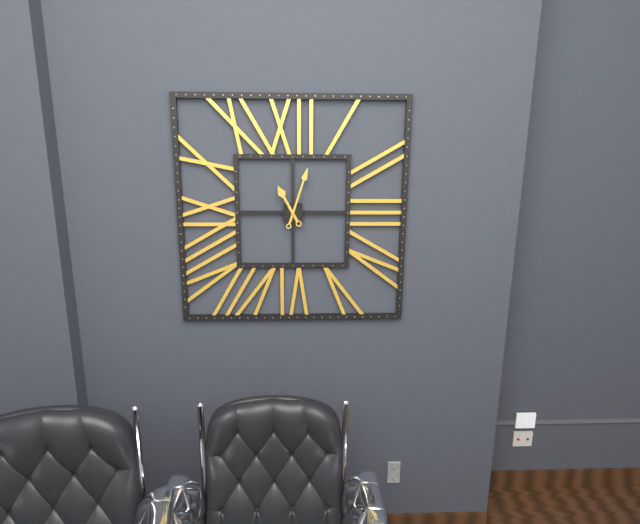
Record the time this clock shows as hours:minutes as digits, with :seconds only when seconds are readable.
11:03
